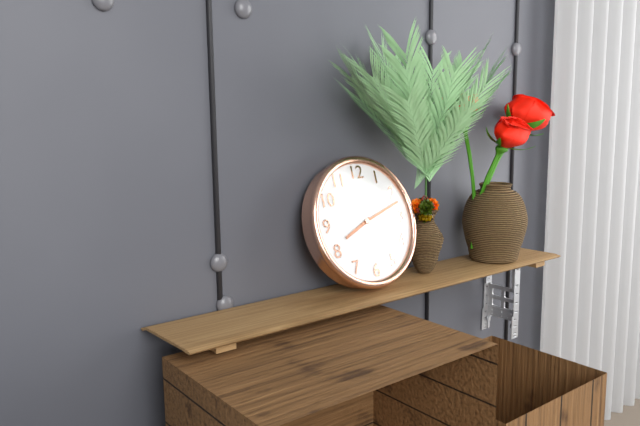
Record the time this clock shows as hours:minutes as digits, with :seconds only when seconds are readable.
8:12
